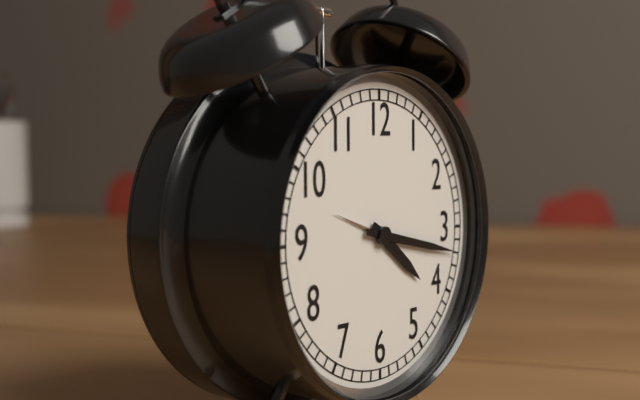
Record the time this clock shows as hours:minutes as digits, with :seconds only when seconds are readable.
4:17
